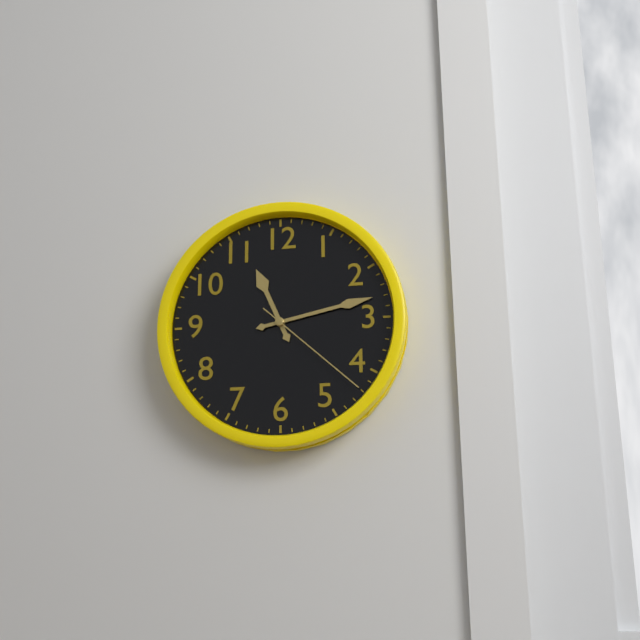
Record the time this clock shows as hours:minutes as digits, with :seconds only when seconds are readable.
11:13:22
